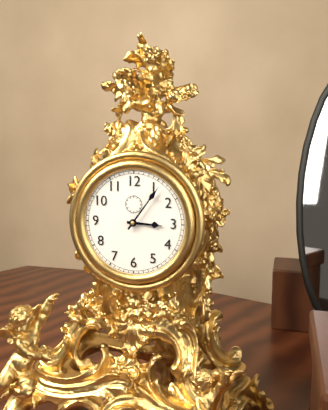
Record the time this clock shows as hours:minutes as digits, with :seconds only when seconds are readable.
3:06
